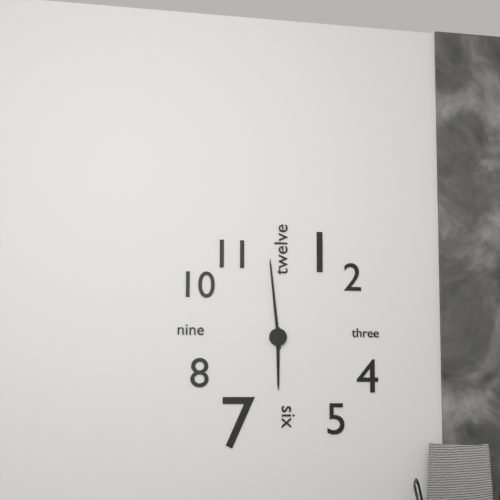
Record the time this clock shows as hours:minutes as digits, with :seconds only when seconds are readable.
5:59
